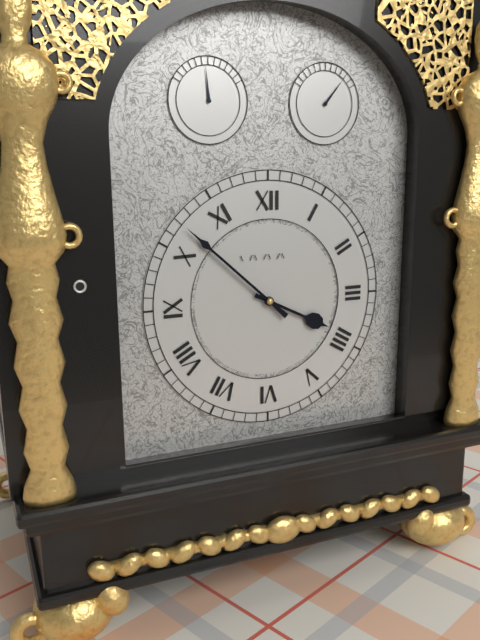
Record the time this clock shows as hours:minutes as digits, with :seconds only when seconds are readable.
3:52
